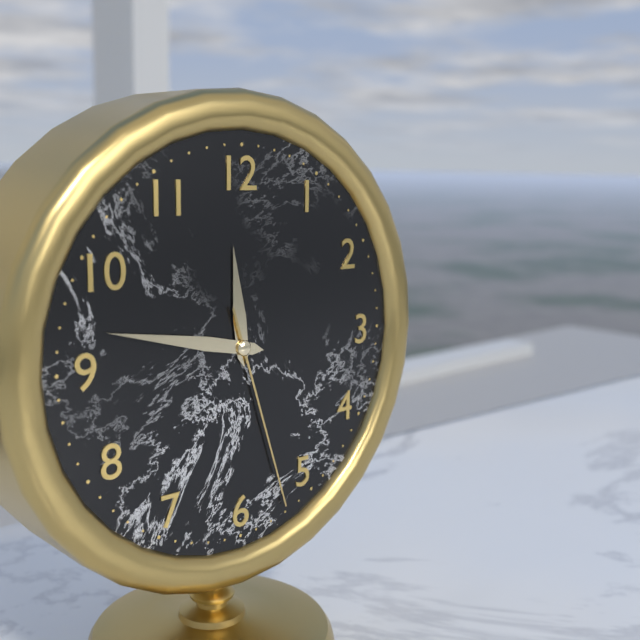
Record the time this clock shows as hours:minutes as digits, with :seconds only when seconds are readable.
11:47:27
